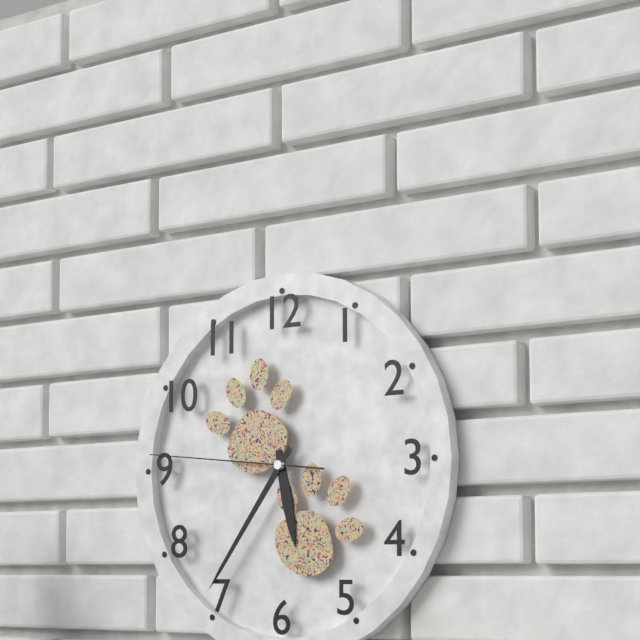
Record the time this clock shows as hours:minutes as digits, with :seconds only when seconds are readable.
5:36:46
